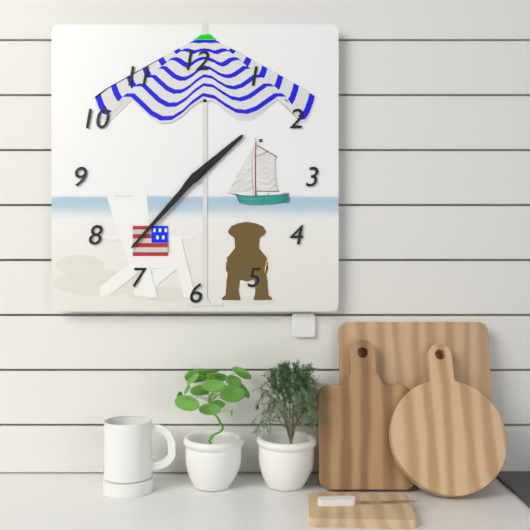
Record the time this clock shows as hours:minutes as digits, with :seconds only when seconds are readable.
1:37
